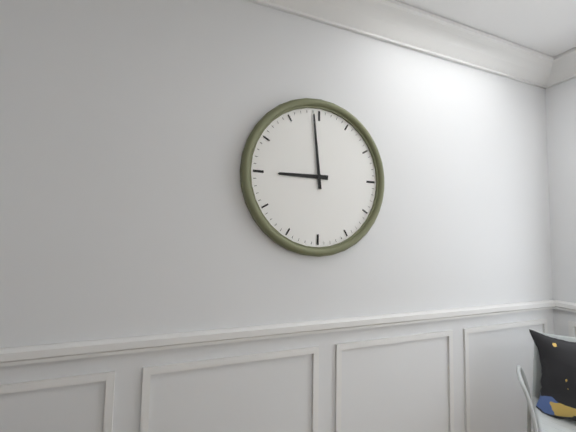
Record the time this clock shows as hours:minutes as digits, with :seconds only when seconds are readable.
8:59
